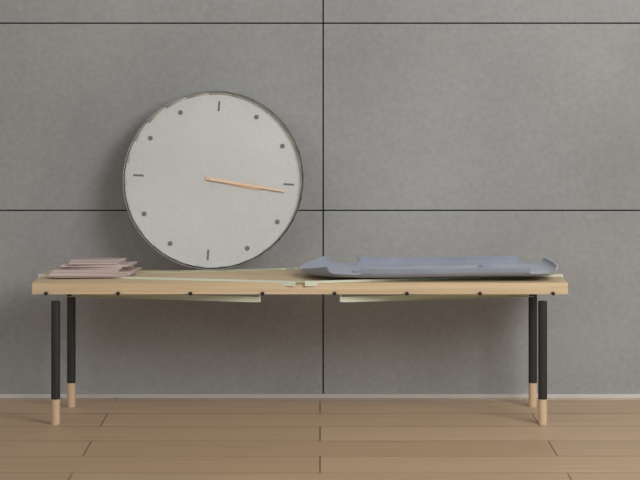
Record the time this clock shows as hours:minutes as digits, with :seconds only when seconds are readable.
3:16
